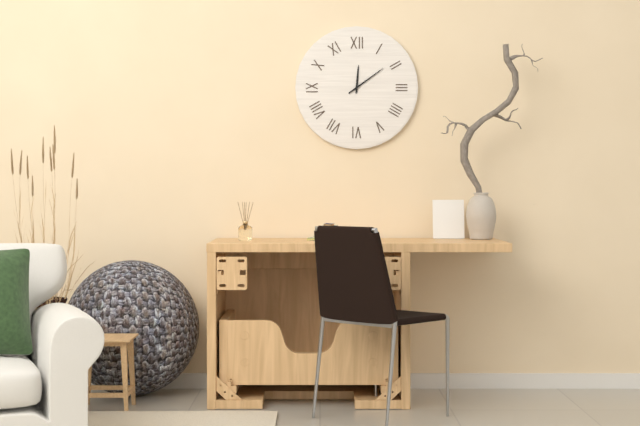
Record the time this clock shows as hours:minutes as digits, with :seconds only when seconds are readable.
12:09
